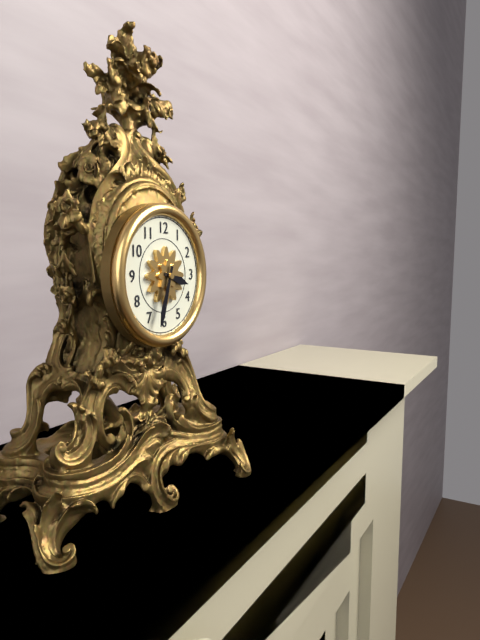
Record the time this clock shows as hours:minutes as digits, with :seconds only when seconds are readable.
3:33
